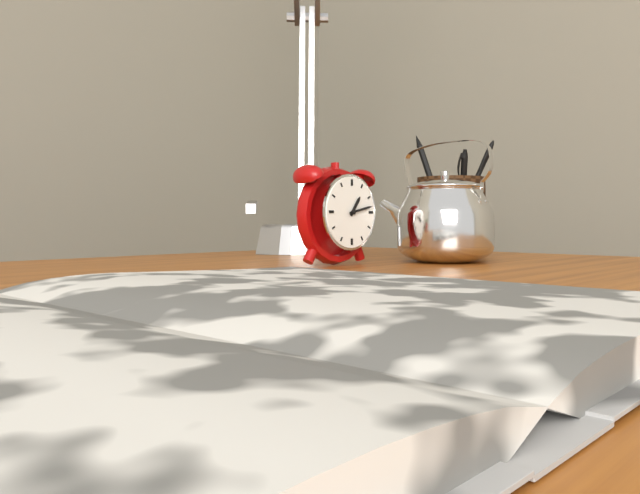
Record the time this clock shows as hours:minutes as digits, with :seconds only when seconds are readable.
1:13
